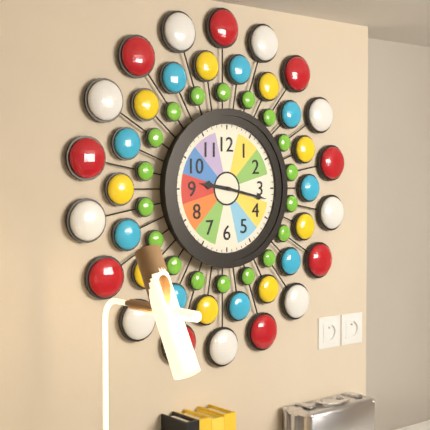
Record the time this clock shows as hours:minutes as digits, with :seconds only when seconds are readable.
9:17
